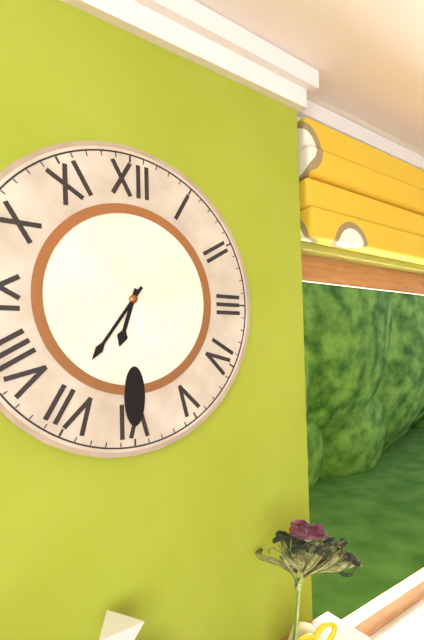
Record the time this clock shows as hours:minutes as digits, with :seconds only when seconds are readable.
6:36
